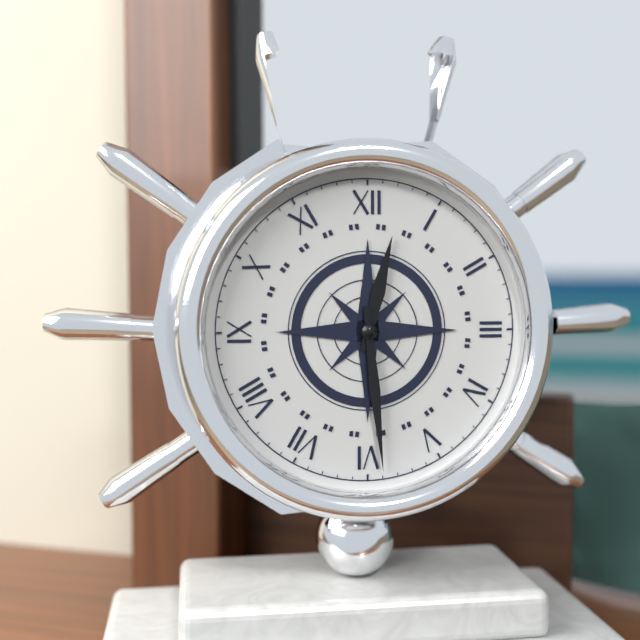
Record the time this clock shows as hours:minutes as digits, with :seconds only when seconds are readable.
12:29
